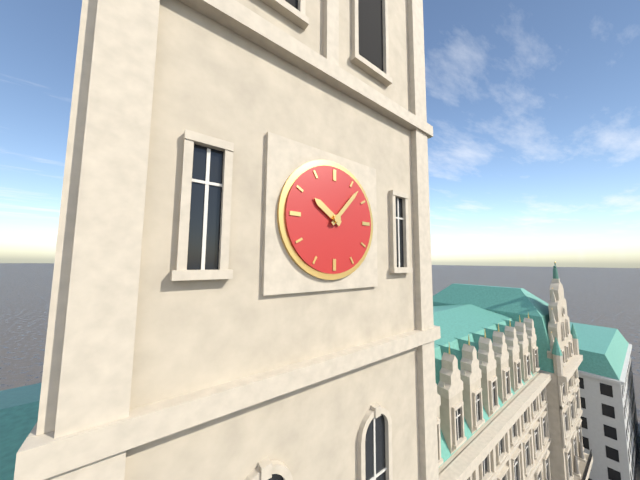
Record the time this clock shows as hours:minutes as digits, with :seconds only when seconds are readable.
10:07
